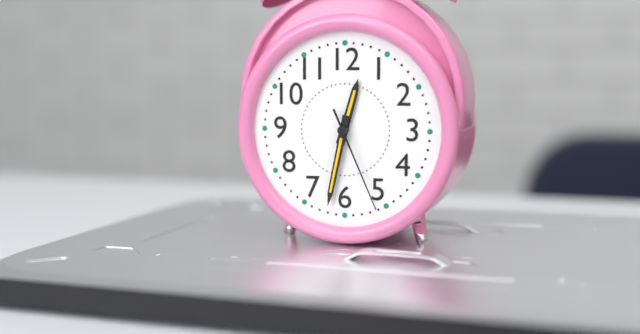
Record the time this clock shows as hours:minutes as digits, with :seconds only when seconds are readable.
12:32:26
